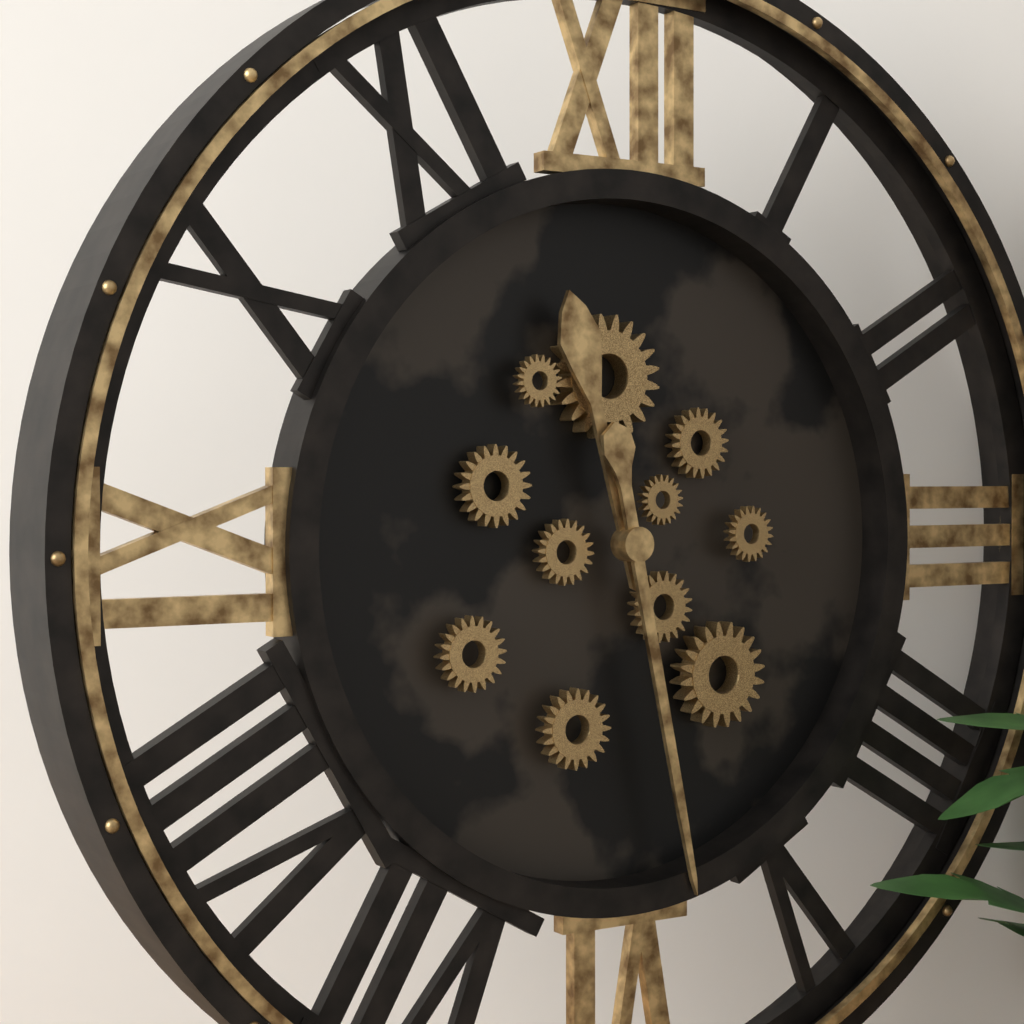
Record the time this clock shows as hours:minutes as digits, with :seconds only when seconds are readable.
11:28
